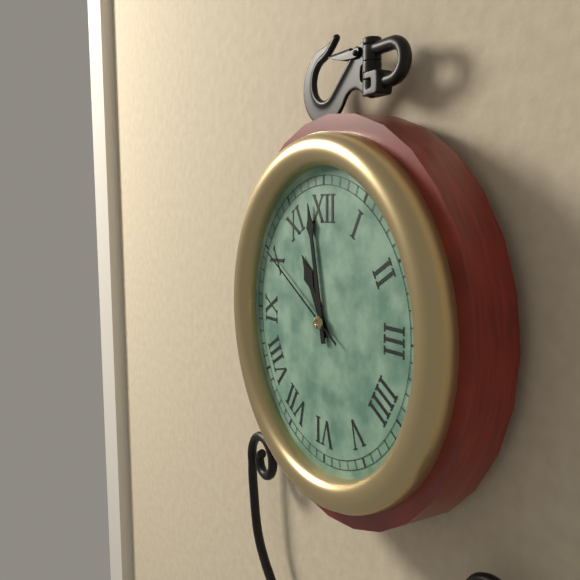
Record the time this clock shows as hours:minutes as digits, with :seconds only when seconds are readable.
10:58:50
